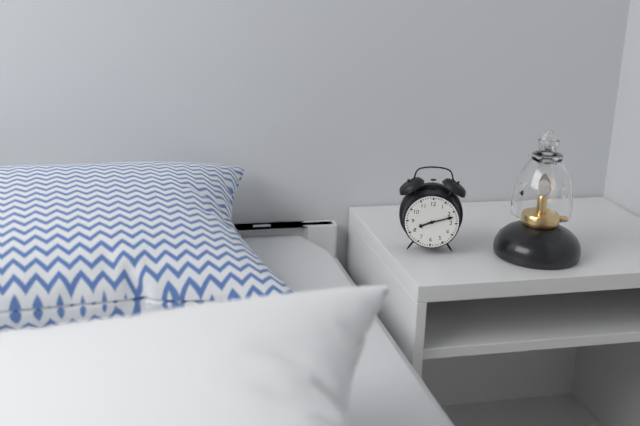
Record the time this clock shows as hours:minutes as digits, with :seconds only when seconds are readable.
8:12
